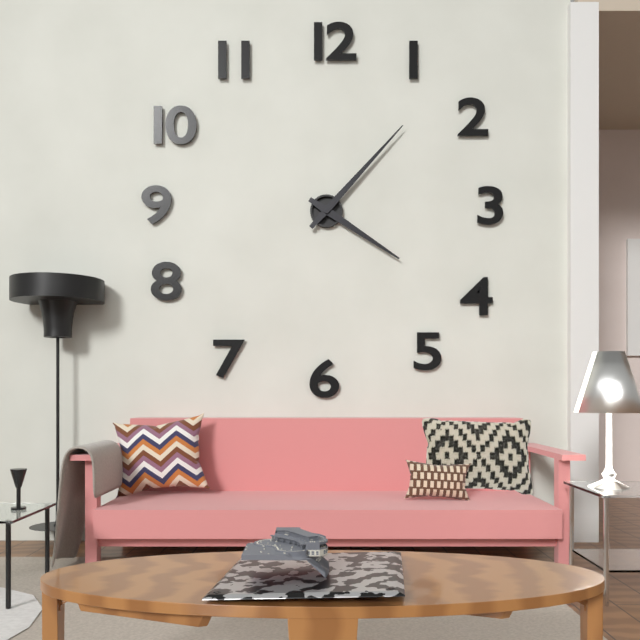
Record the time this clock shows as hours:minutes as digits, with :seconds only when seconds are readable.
4:07
